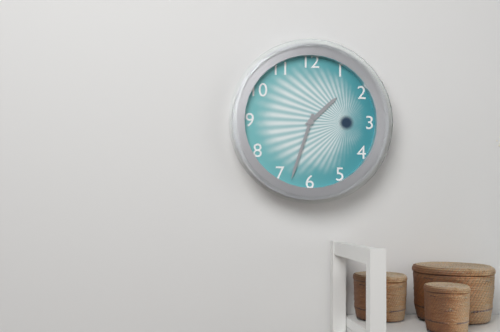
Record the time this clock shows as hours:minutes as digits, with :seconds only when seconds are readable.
1:33
